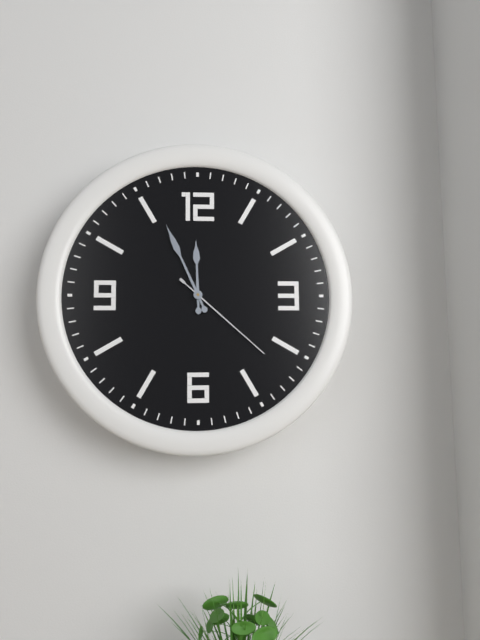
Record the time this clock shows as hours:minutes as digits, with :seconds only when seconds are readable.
11:56:22
